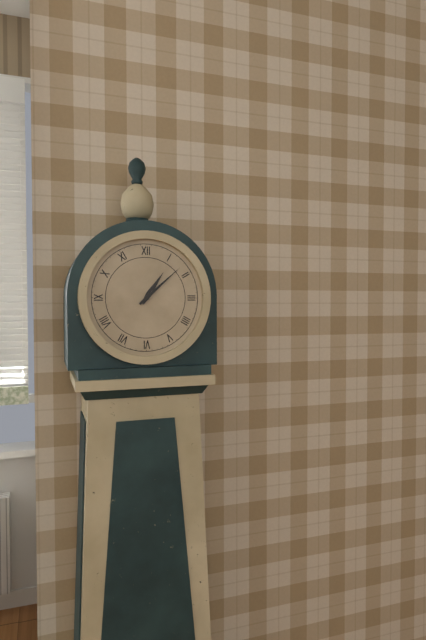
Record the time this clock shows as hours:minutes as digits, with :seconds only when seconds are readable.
1:08
